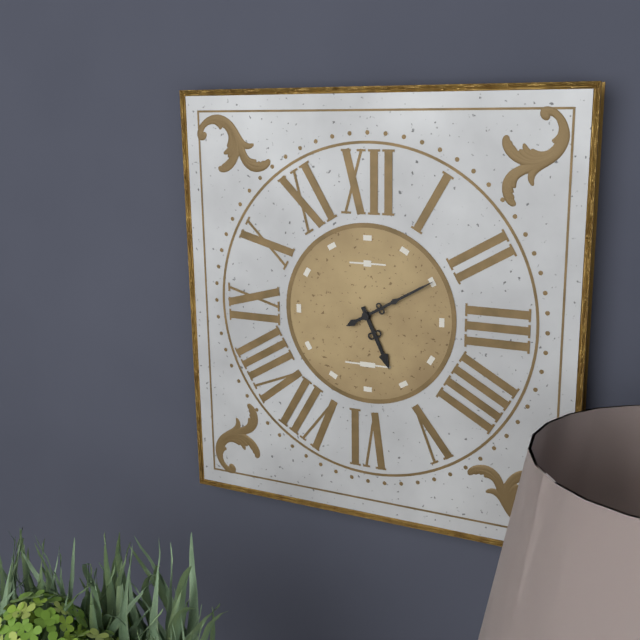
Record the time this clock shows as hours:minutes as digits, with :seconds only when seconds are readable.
5:10
